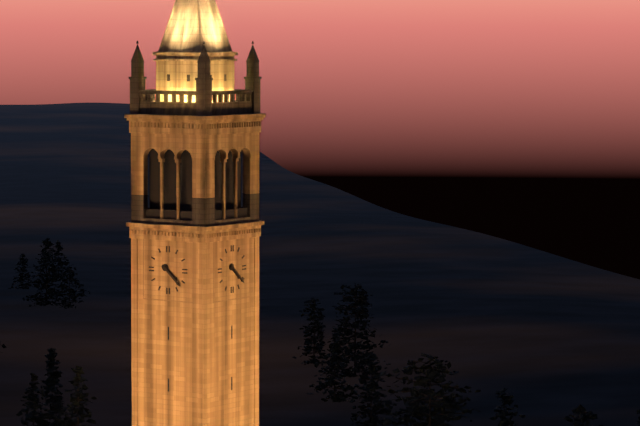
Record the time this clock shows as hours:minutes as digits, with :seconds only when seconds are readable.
4:22
